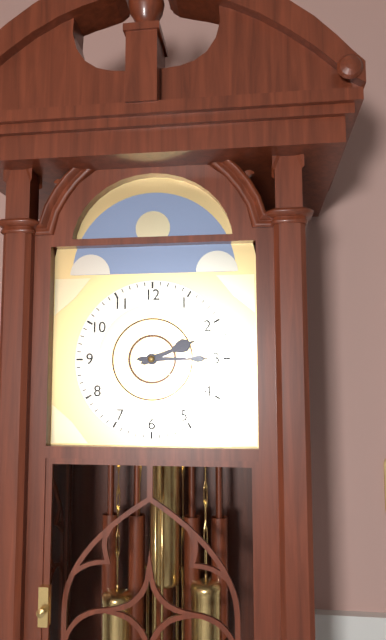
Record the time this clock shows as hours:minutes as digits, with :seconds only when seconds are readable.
2:15
